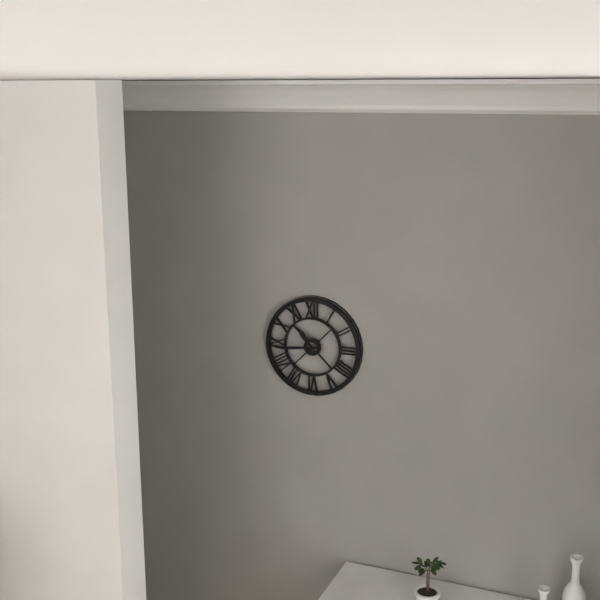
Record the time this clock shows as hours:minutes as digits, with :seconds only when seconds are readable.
10:44
